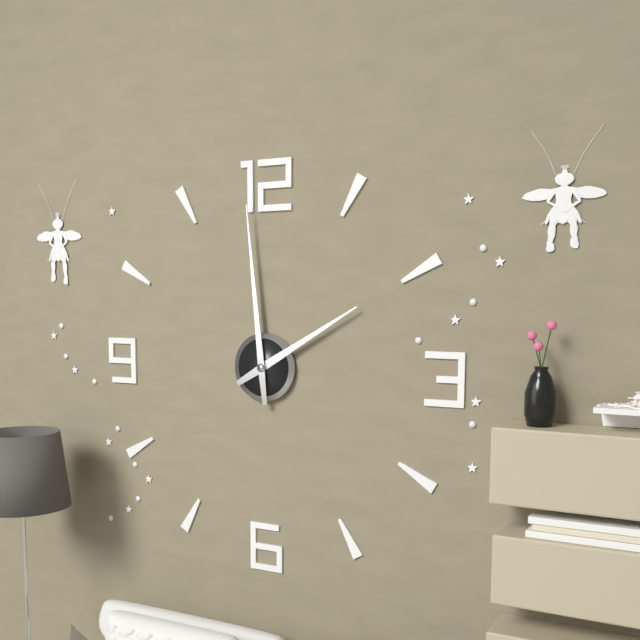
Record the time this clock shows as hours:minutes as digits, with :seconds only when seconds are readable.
1:59
